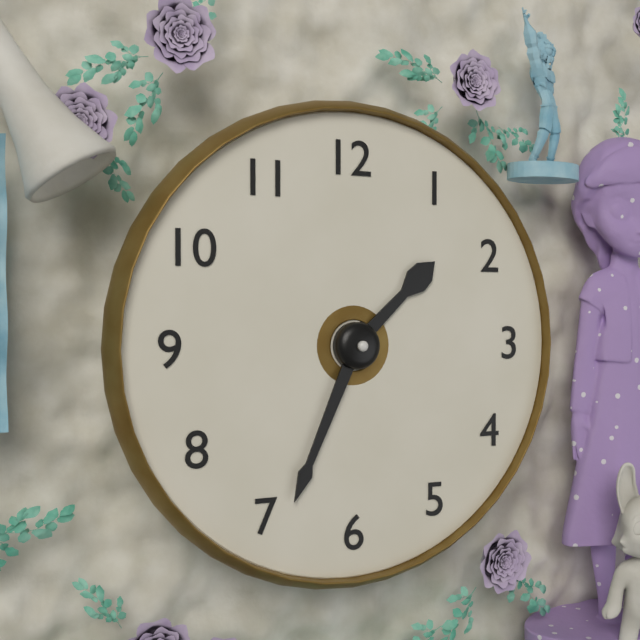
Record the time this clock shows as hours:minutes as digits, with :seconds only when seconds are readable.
1:34
